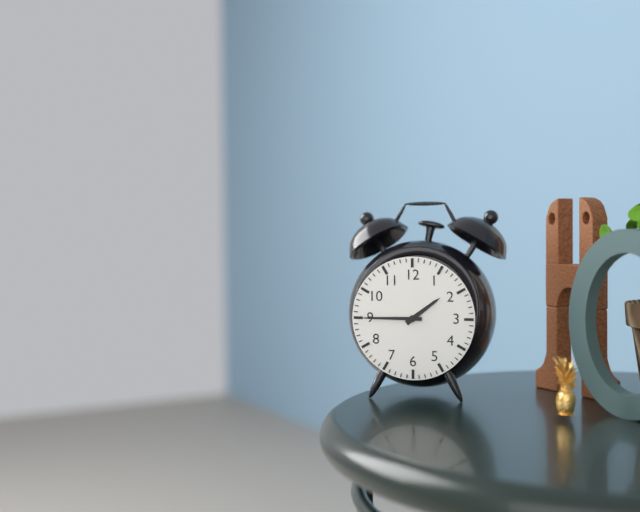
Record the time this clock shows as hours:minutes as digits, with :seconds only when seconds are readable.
1:45
